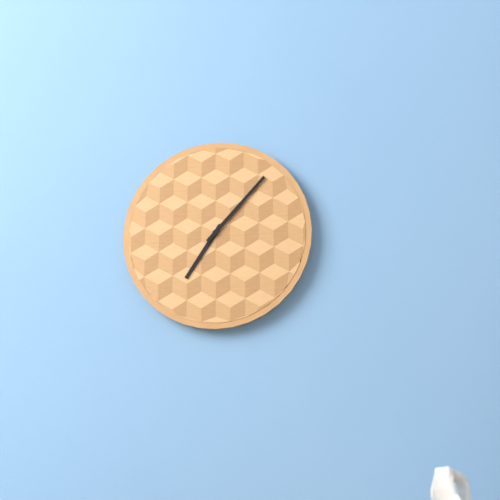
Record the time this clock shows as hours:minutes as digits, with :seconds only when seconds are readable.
7:07
